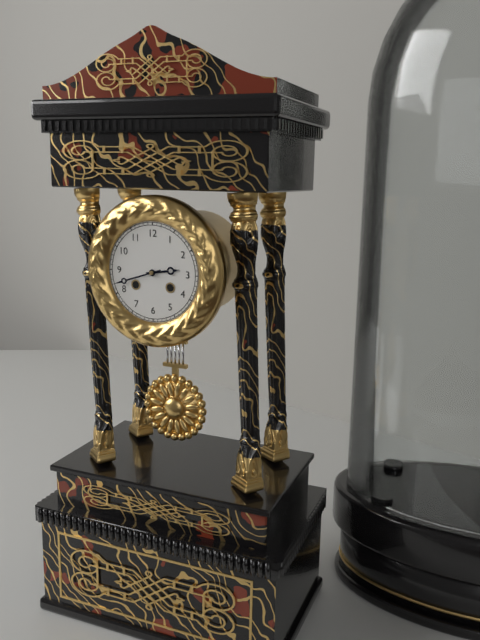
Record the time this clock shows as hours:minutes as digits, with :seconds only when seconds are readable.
2:42
